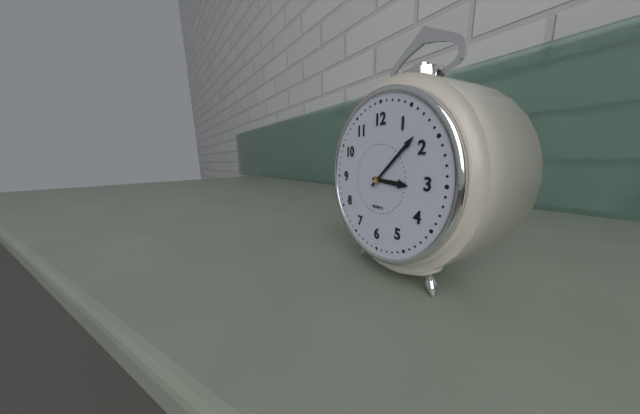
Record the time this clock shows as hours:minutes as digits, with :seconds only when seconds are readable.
3:08
